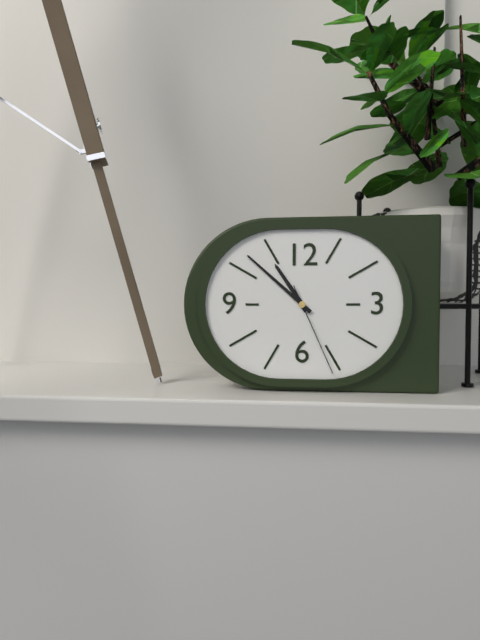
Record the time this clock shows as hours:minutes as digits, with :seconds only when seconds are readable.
10:52:26
